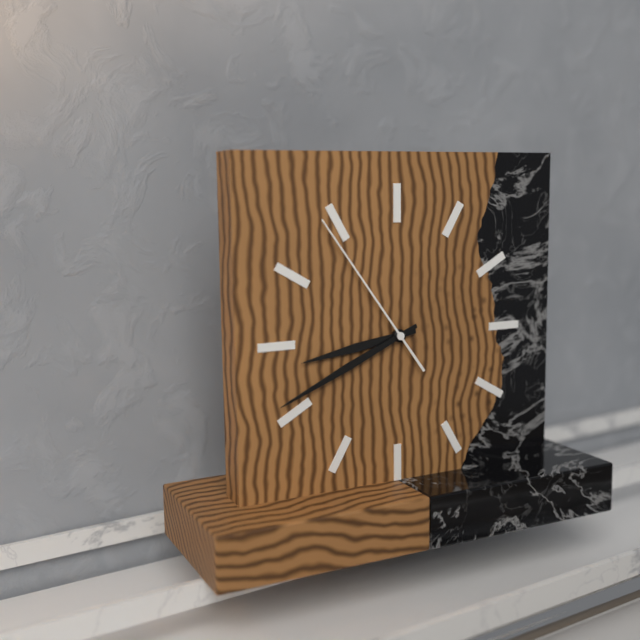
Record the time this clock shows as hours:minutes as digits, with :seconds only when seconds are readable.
8:41:54
